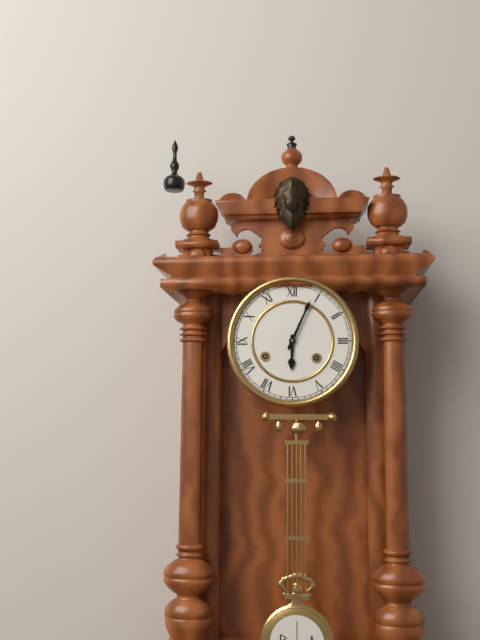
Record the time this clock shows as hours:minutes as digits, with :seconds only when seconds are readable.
6:04
